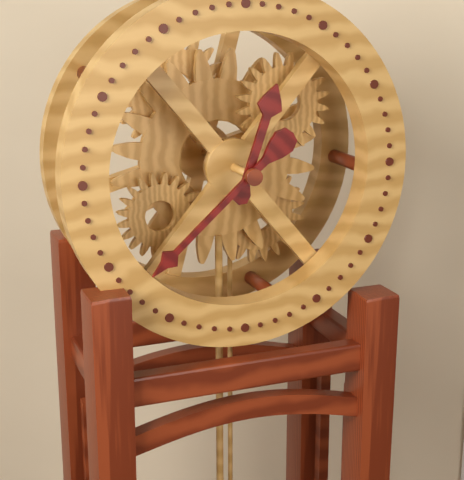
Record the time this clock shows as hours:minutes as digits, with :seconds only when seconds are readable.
12:38
